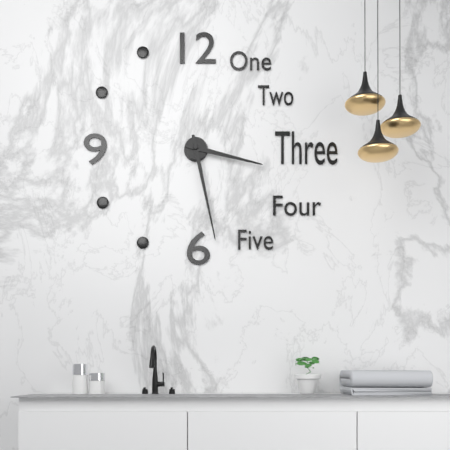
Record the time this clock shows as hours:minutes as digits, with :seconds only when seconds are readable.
3:28
